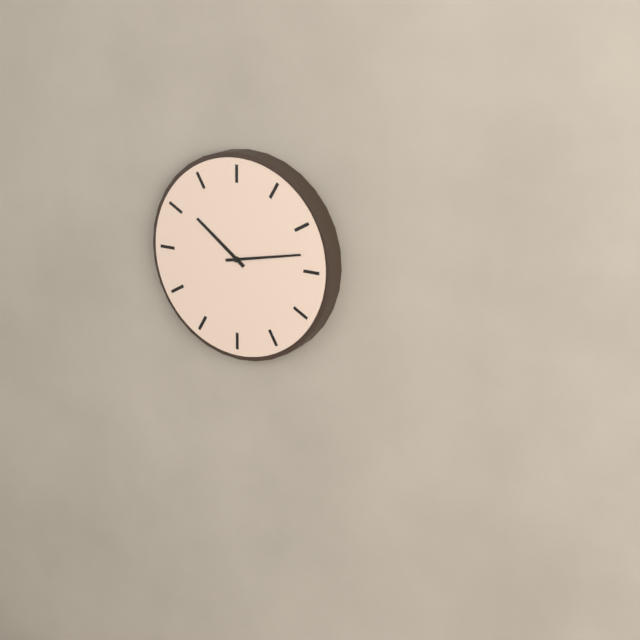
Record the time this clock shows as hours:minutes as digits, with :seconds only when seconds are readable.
10:13
